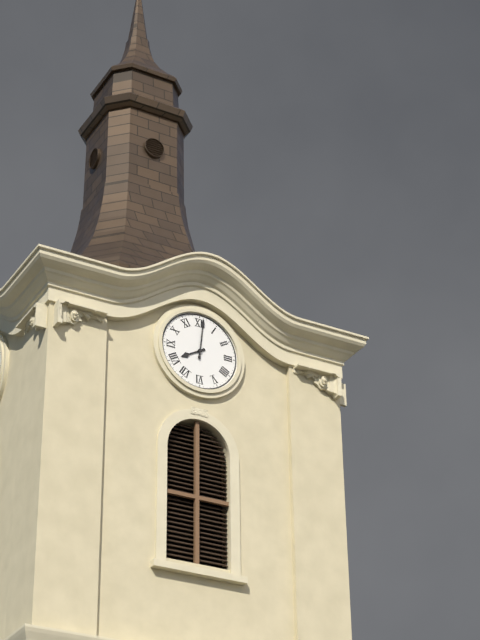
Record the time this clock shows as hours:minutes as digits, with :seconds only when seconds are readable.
8:01
